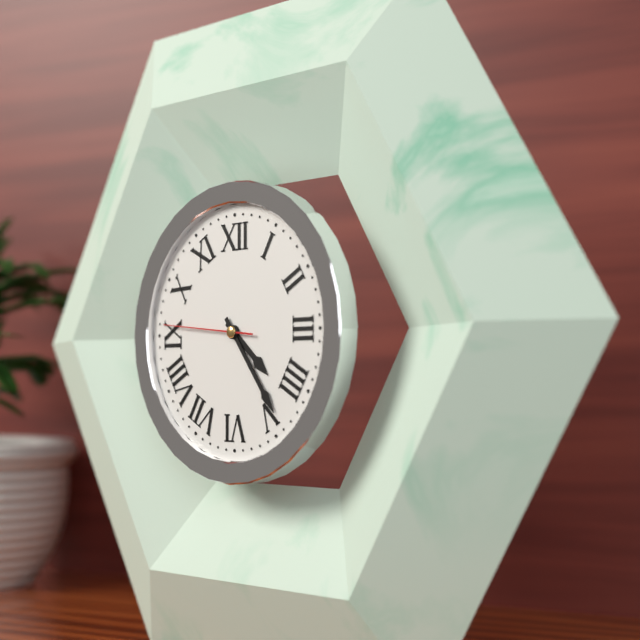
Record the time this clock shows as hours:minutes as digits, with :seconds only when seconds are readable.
4:24:46
